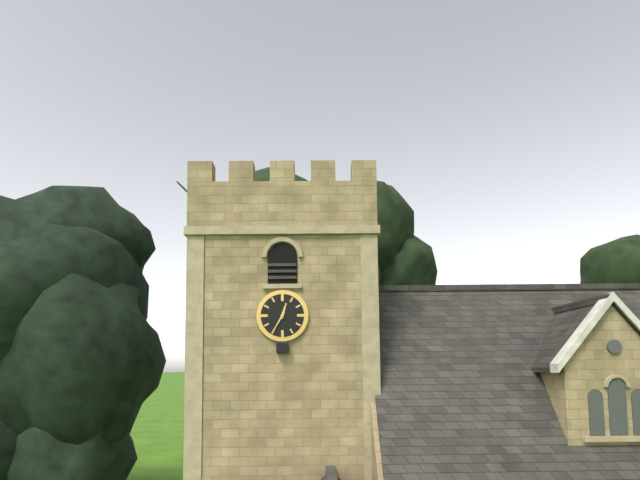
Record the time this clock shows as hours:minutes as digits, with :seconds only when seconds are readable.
12:35
